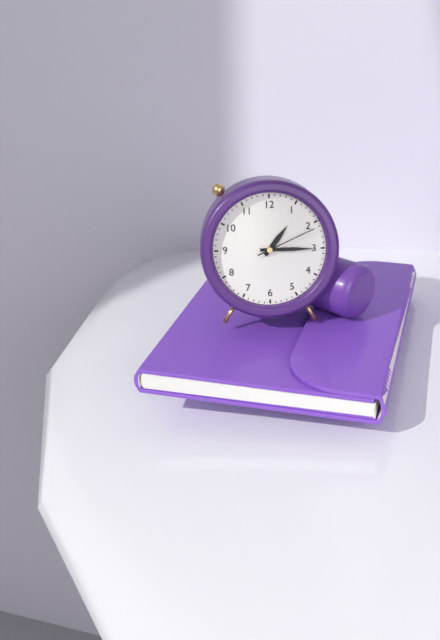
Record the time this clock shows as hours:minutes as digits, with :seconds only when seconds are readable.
1:15:11
